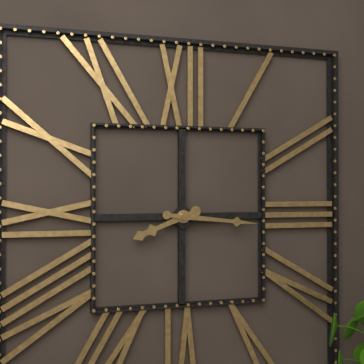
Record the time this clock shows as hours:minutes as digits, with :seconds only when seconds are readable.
8:16
